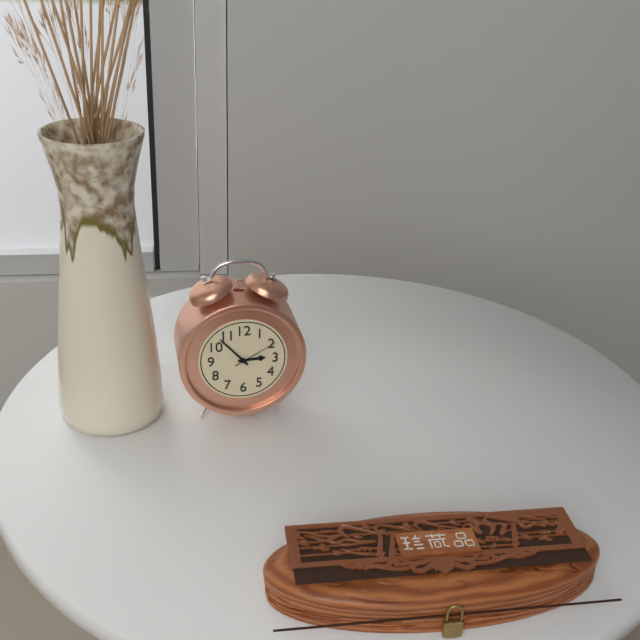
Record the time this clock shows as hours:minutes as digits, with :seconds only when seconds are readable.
2:53
